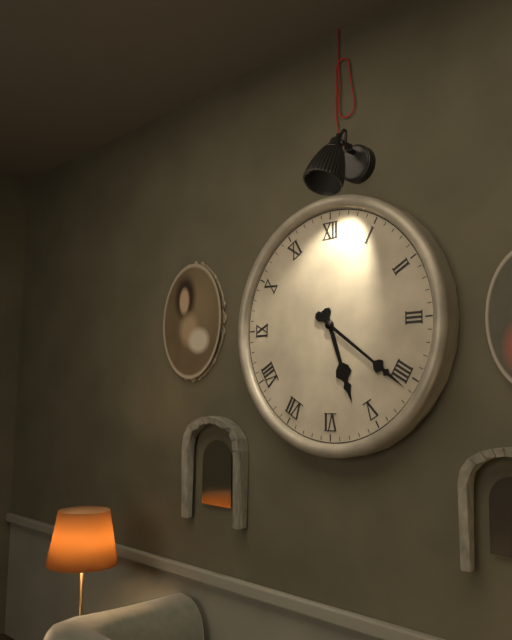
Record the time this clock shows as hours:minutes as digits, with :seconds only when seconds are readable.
5:21
